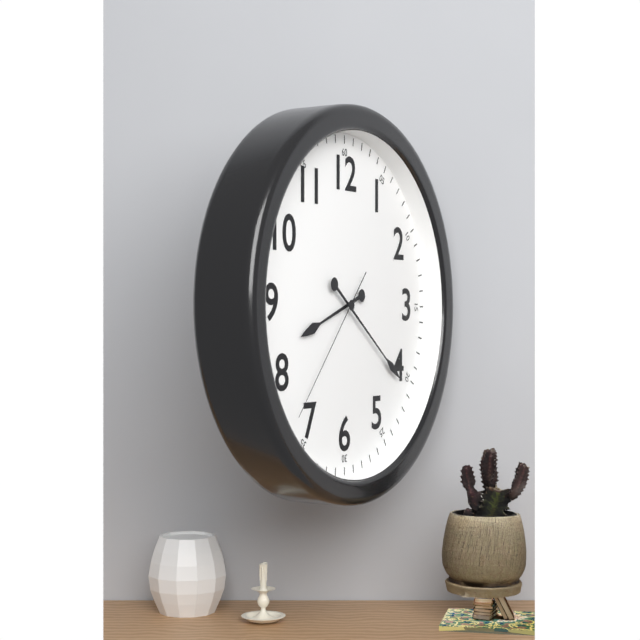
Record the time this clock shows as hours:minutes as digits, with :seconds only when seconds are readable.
8:21:37
